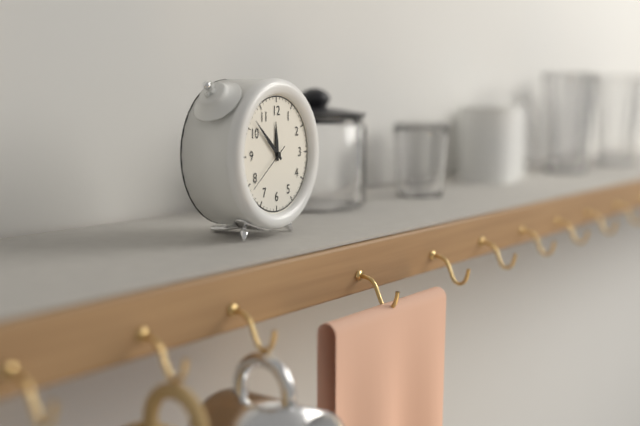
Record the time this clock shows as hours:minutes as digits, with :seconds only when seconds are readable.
11:52:39
